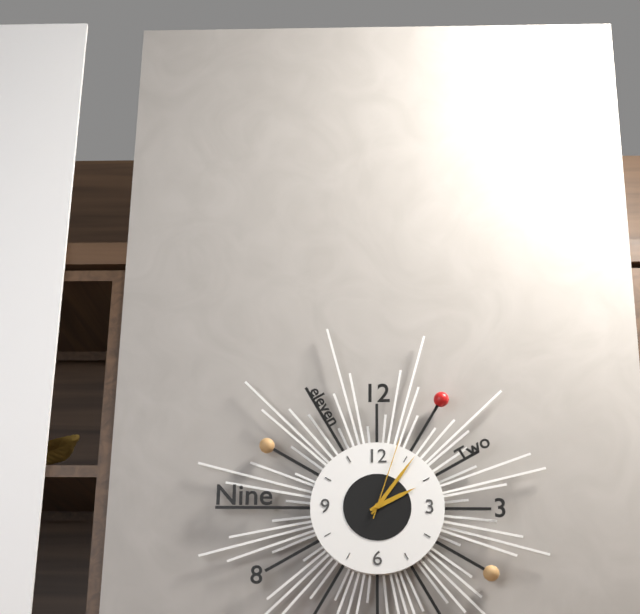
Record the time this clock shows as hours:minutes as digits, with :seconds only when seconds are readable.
2:06:03
